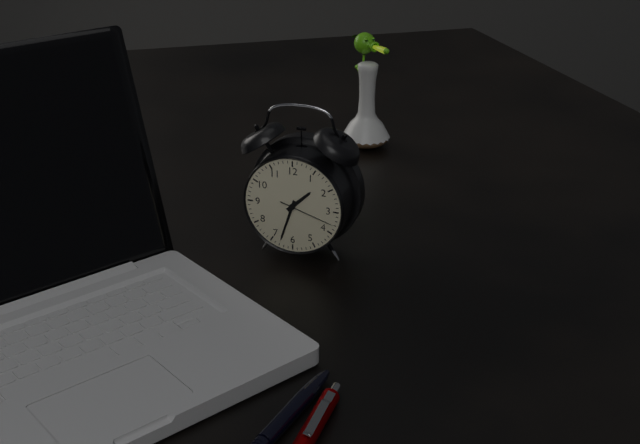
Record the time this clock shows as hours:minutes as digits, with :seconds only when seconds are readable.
1:33:18
